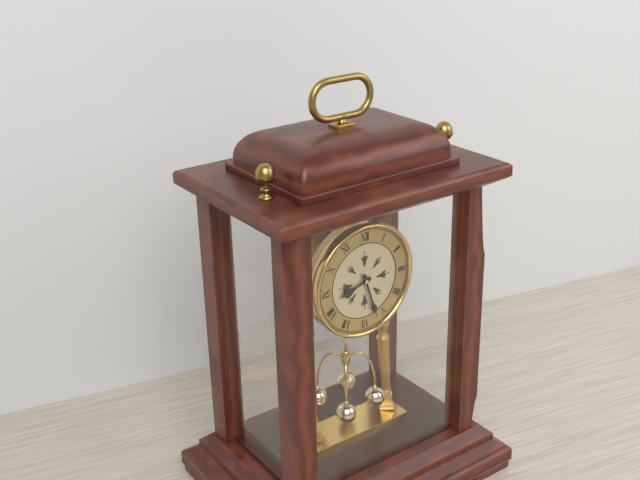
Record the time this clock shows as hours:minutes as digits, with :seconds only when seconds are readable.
8:27
